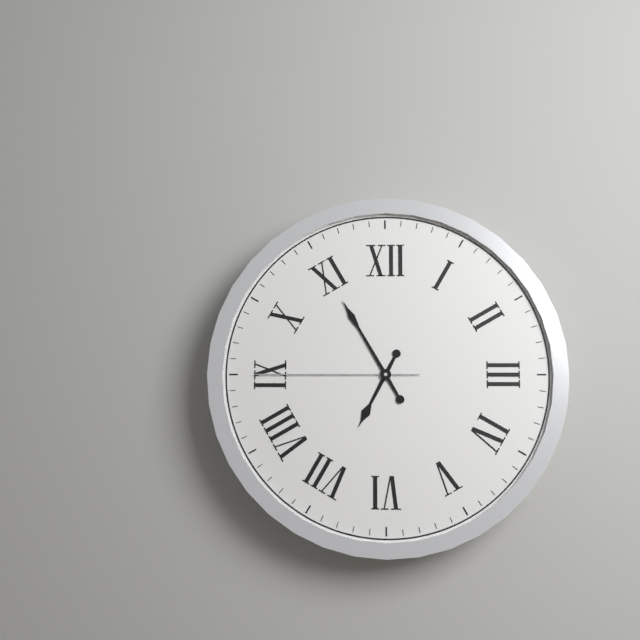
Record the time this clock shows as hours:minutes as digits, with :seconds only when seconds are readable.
6:55:45
